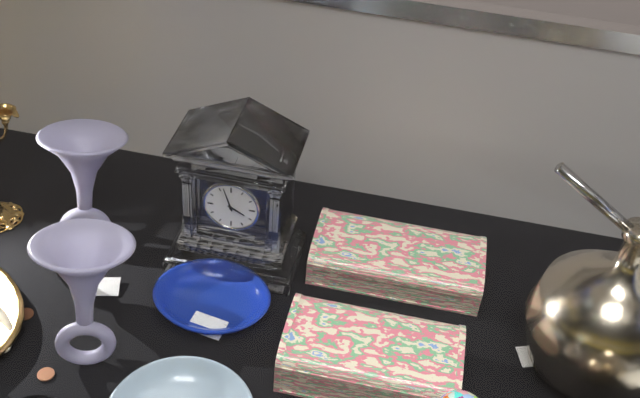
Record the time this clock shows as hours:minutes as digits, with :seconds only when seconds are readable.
3:57
